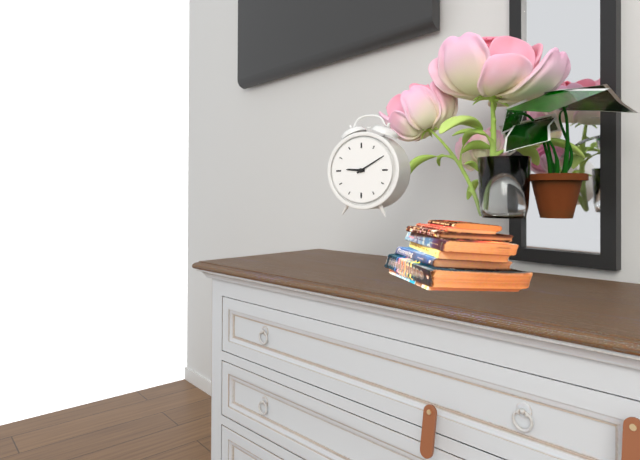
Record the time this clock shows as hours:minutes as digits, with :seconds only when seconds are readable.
9:10
